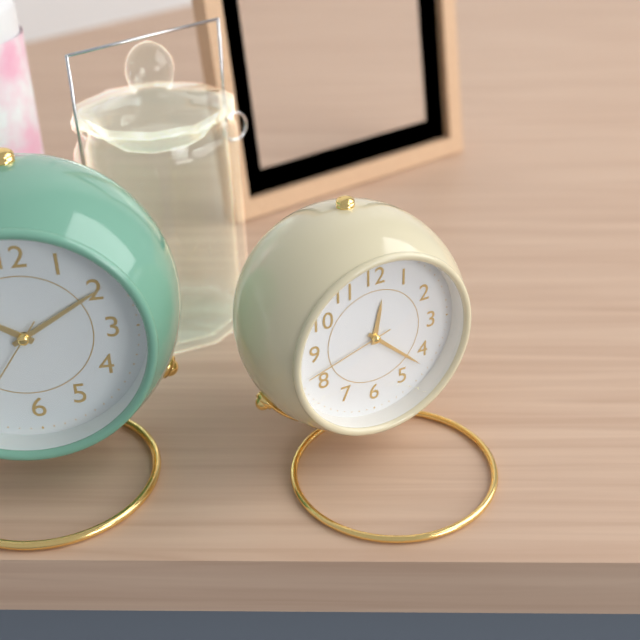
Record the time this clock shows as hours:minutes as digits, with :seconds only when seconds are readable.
12:22:42
